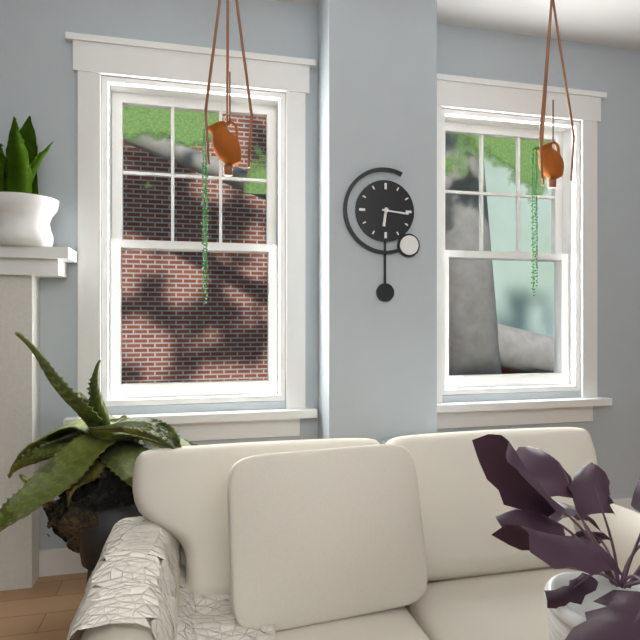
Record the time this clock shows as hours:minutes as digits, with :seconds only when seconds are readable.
6:16
